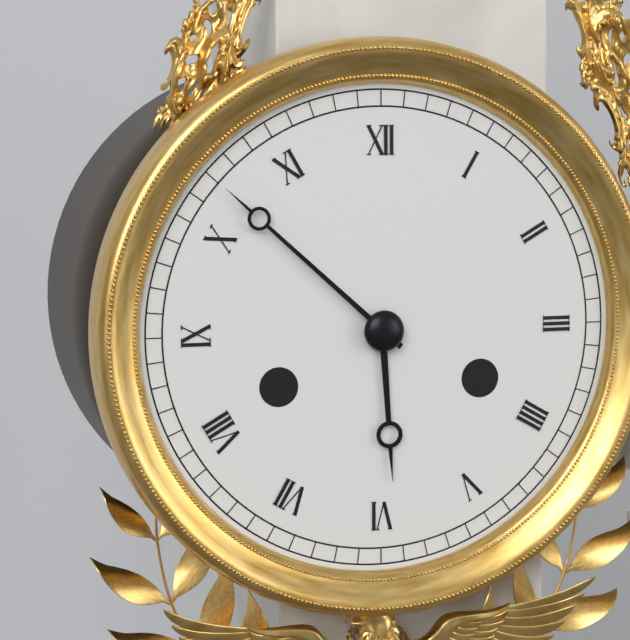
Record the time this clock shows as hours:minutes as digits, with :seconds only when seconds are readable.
5:52
